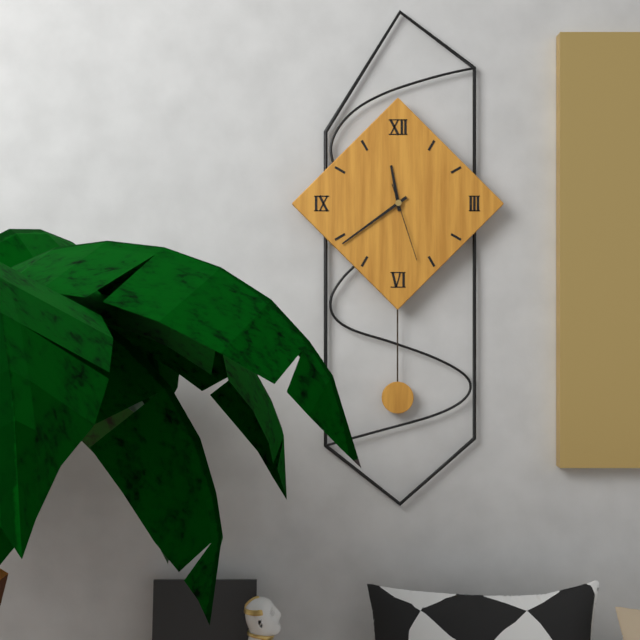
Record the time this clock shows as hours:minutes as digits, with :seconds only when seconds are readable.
11:39:27
